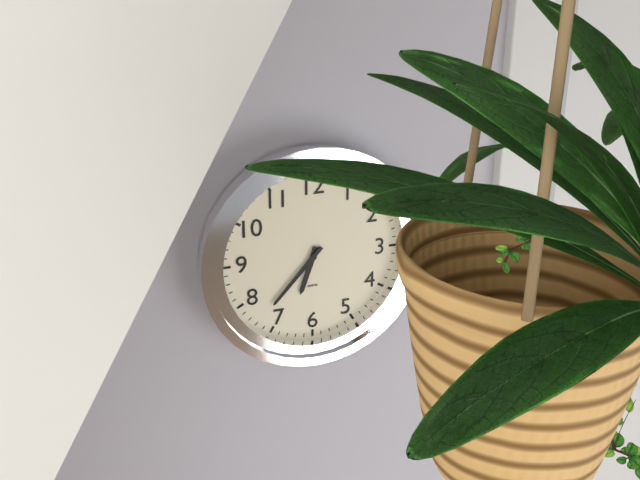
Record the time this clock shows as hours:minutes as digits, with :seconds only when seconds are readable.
6:37
